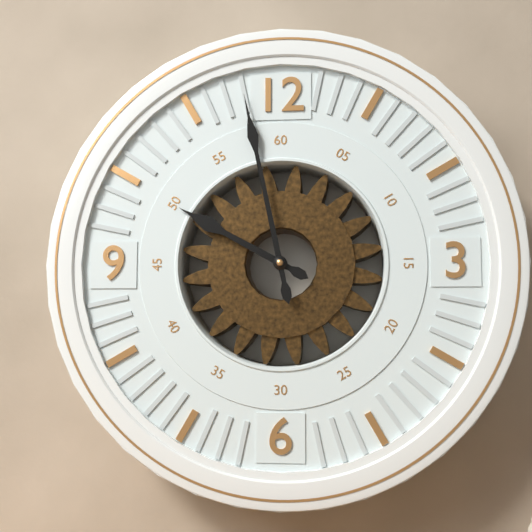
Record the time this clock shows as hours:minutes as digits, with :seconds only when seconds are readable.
9:58
